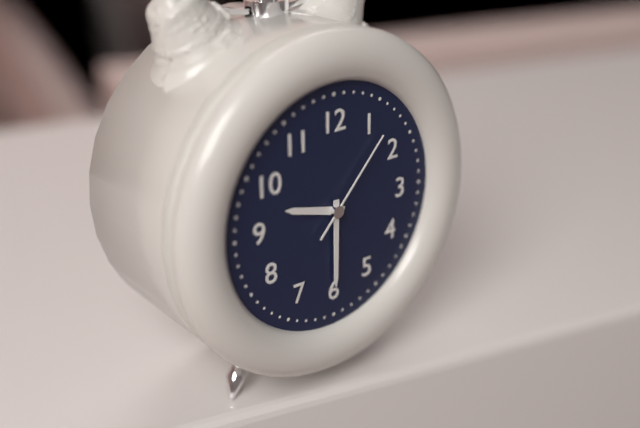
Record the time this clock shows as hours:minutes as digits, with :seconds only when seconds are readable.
9:30:07
